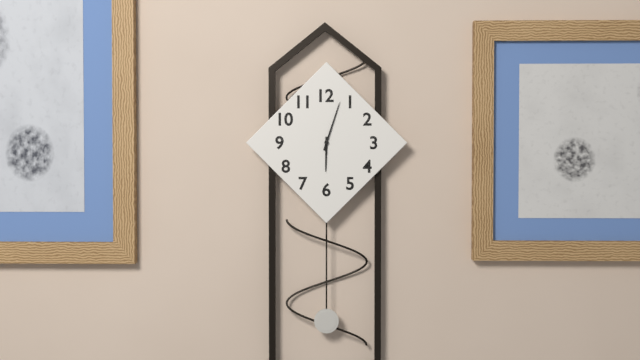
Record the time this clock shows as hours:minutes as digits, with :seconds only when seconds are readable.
6:03
